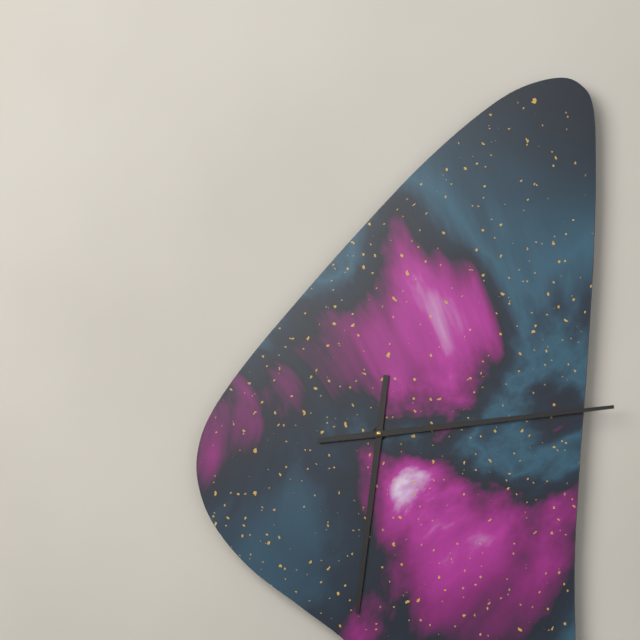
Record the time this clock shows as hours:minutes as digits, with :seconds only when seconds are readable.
6:14
